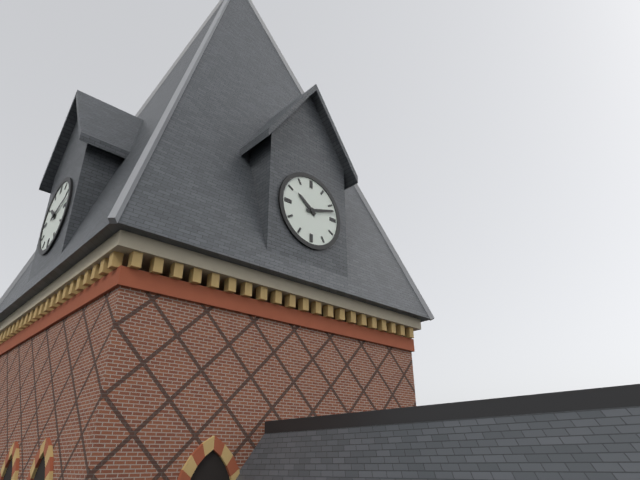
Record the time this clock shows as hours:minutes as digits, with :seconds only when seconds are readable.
10:12
